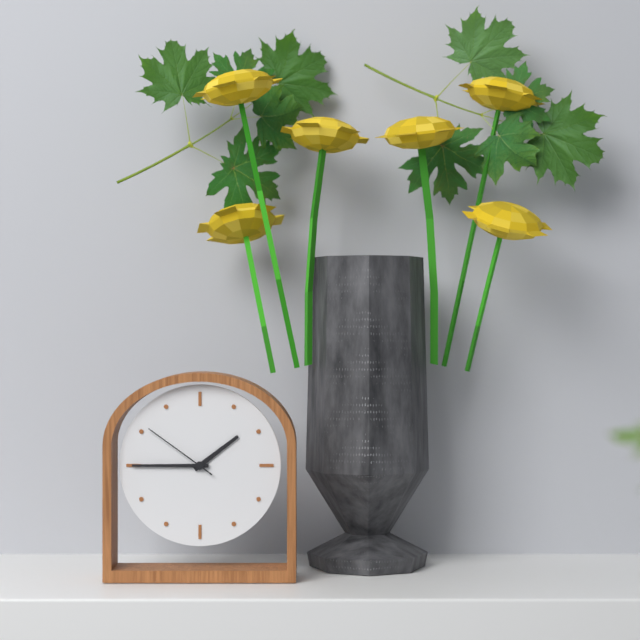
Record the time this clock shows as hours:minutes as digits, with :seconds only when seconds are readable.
1:45:51
